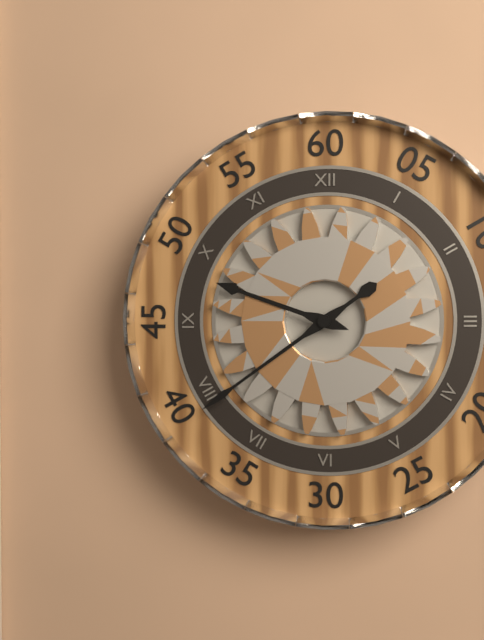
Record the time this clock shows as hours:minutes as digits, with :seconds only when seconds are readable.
9:39
